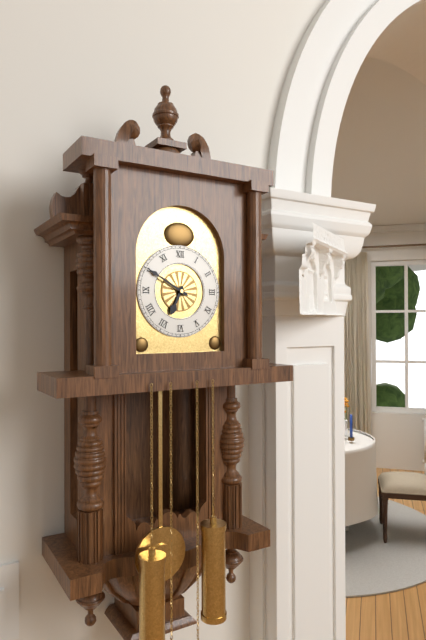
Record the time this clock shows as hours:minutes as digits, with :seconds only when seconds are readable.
6:50
